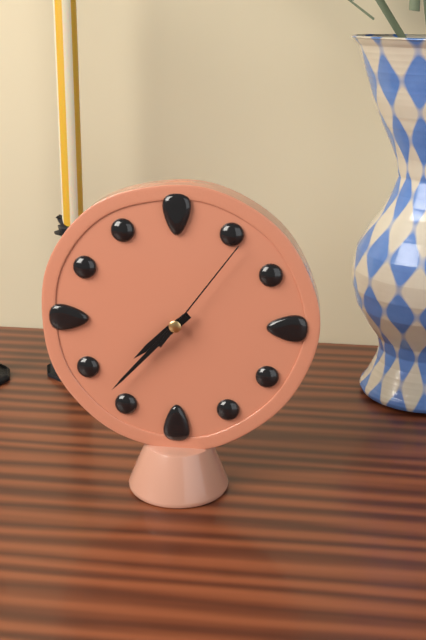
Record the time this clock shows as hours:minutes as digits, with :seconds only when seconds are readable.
7:37:06
